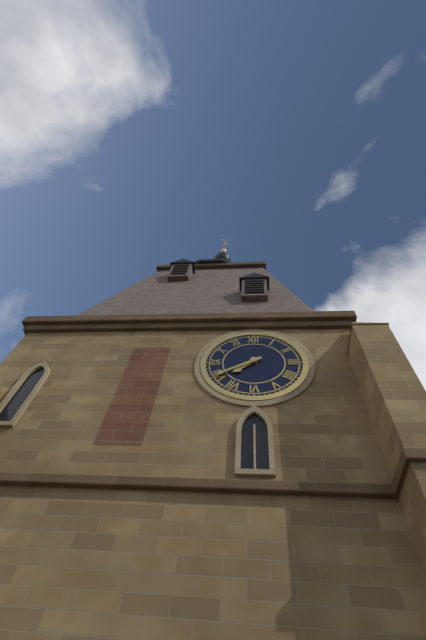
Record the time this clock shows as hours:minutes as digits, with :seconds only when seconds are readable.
7:40
